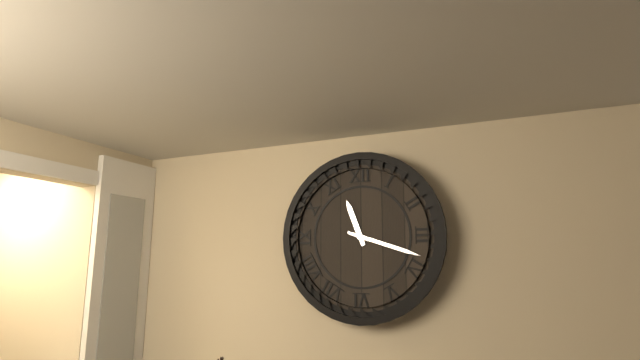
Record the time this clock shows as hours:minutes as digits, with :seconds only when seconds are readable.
11:18
